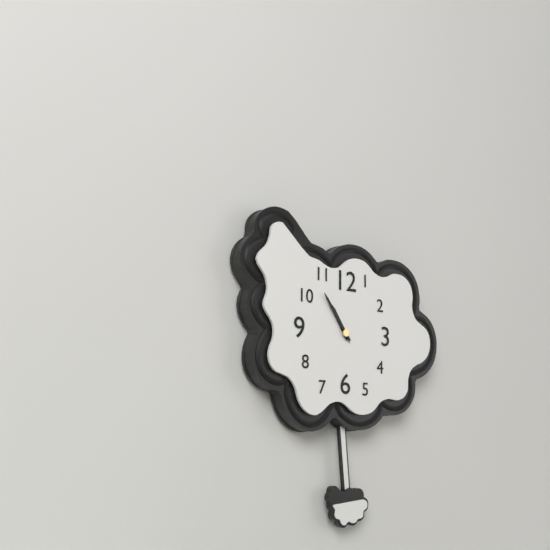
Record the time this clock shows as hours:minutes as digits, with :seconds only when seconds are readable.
10:54
